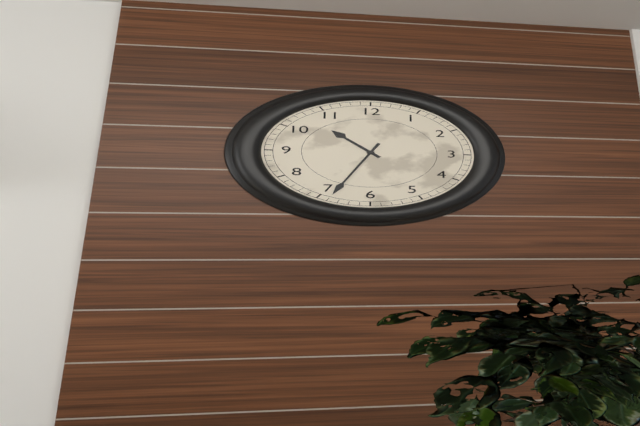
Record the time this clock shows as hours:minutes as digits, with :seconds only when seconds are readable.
10:34
